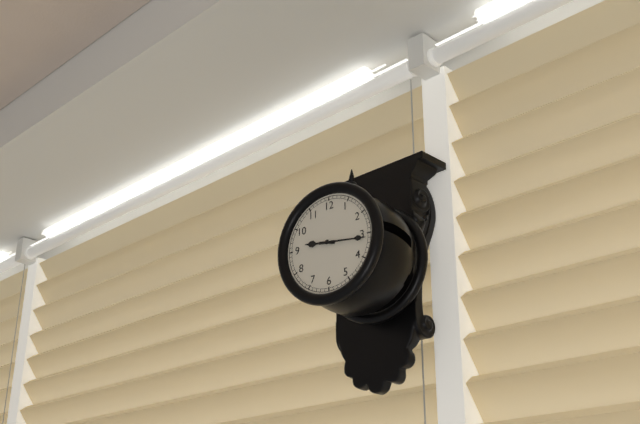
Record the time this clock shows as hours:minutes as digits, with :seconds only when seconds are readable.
9:16
